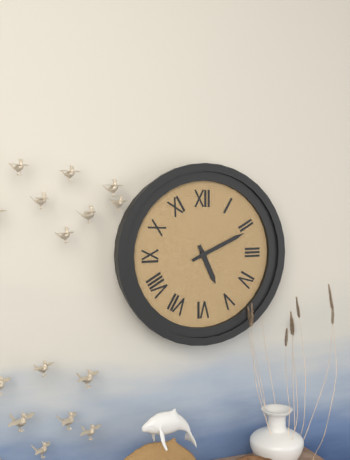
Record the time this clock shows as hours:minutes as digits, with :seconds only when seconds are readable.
5:11
